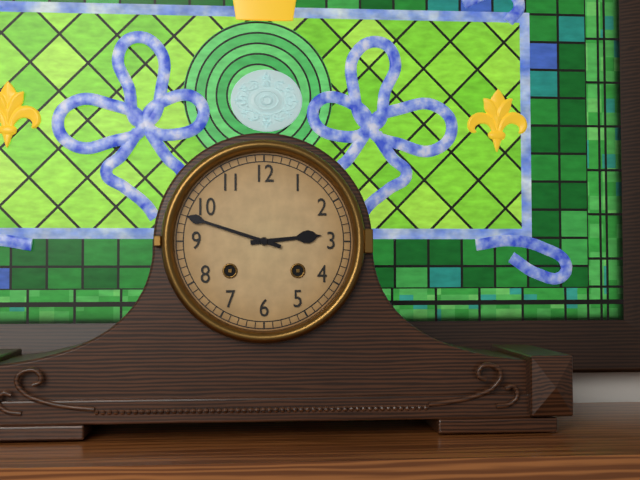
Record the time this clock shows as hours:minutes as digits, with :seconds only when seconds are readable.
2:48
